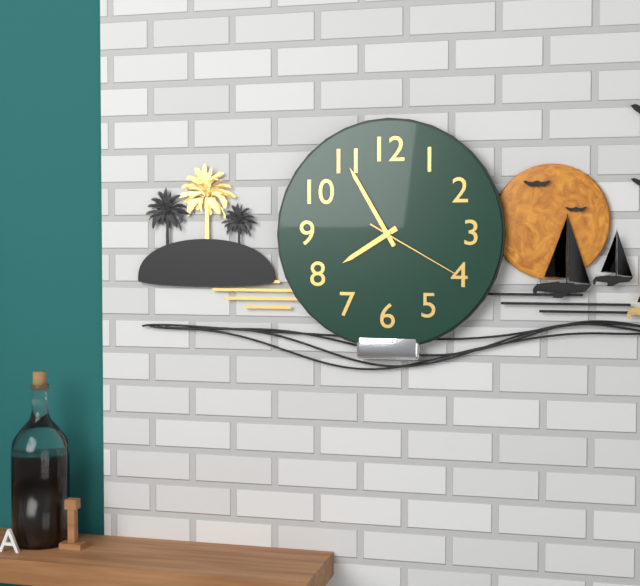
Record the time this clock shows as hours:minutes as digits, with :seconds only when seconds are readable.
7:55:20
